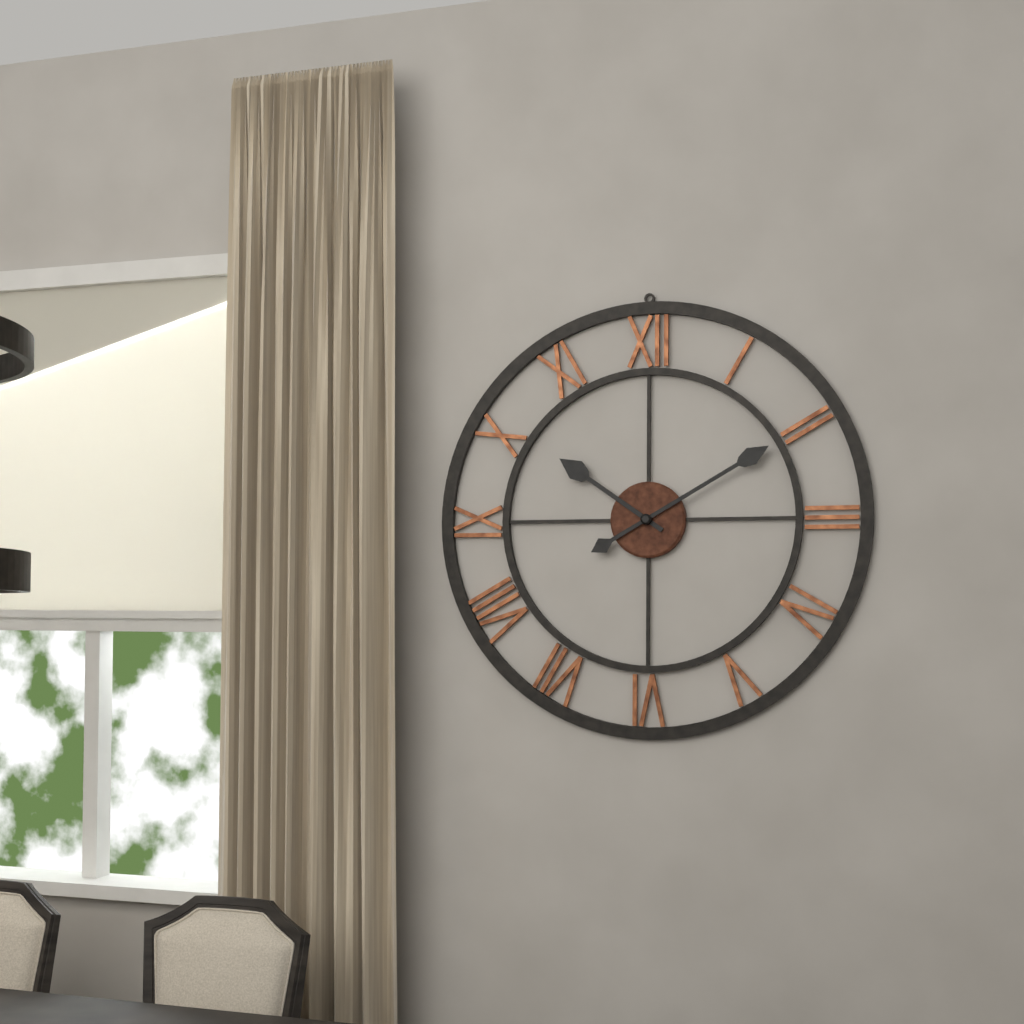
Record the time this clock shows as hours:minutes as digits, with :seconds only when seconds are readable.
10:10
